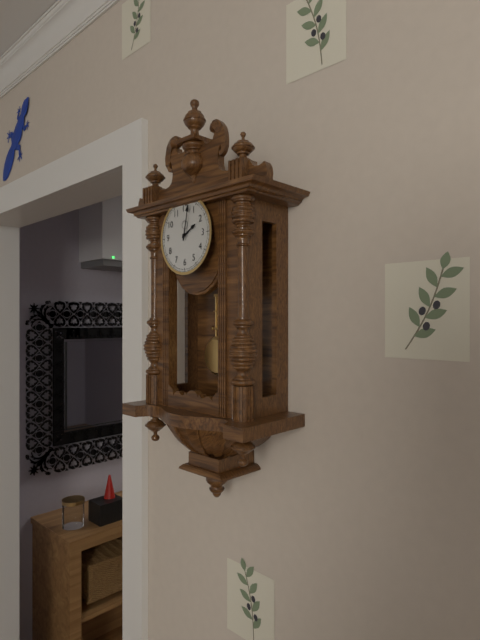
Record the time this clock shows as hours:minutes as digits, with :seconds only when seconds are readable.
2:02
